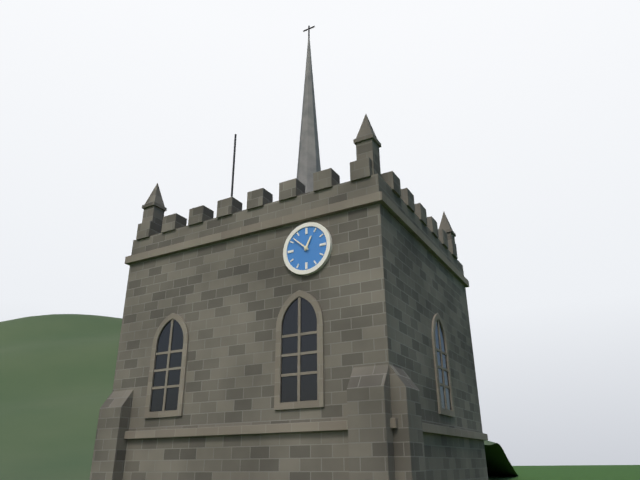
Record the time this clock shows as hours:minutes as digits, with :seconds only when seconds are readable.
12:52
